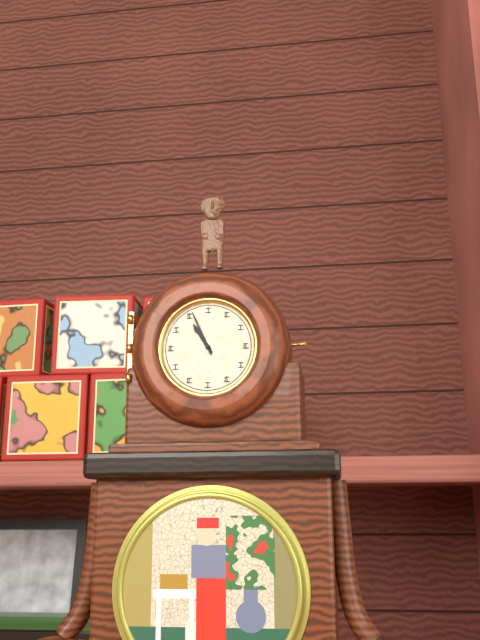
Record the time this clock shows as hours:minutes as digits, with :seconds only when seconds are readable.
10:56
